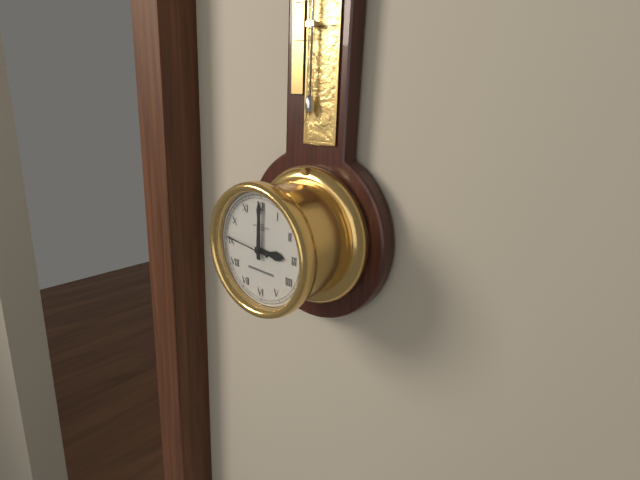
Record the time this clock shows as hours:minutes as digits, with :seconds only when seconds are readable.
3:00
